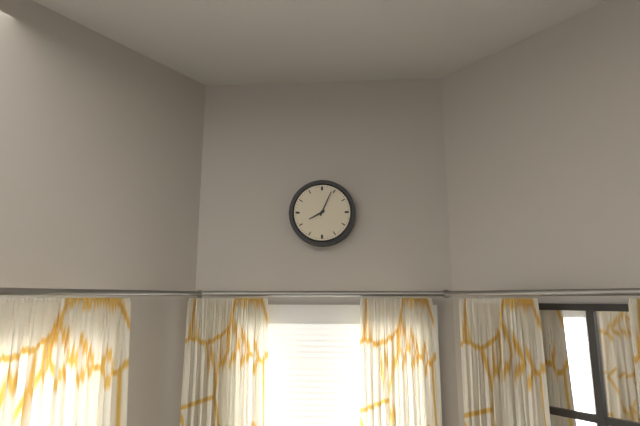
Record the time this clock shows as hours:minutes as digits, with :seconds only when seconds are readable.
8:04
